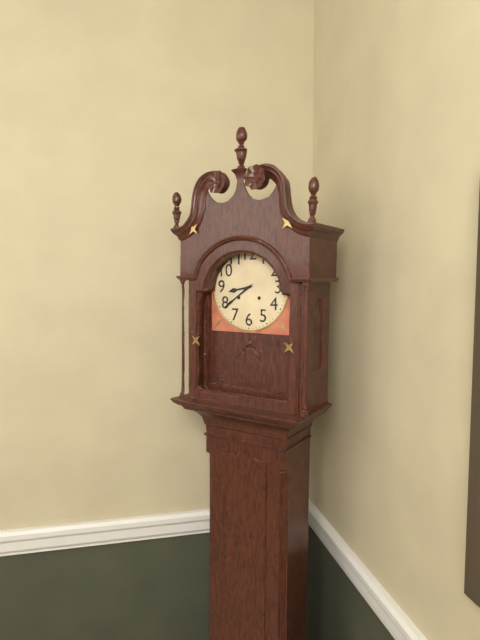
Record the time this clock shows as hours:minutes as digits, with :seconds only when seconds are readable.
8:39
